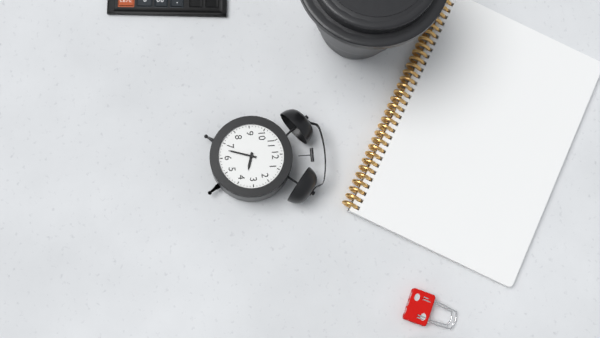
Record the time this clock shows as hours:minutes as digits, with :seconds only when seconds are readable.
3:33
